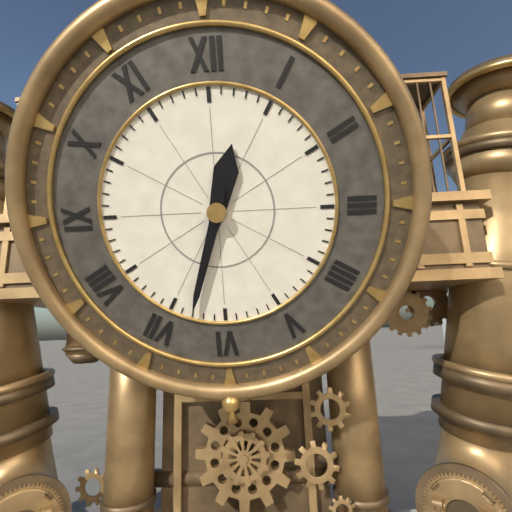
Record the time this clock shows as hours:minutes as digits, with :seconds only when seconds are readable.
12:33
